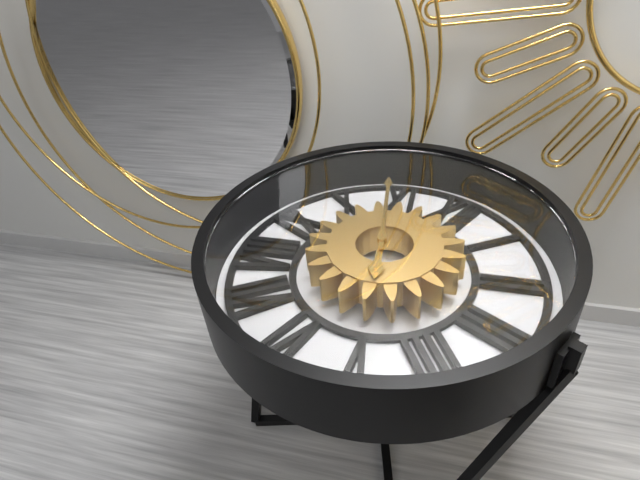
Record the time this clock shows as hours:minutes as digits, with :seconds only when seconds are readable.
4:54
